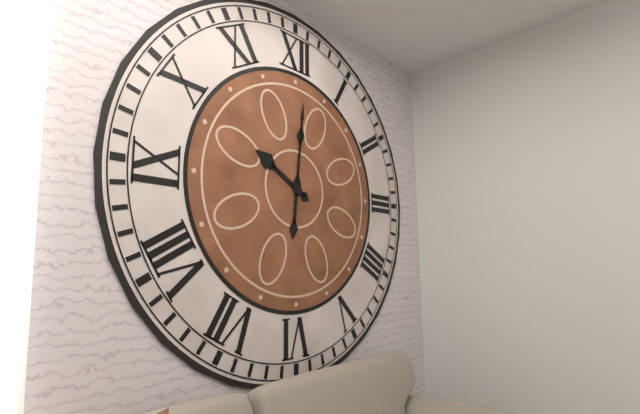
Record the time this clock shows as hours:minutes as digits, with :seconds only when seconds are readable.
10:01
